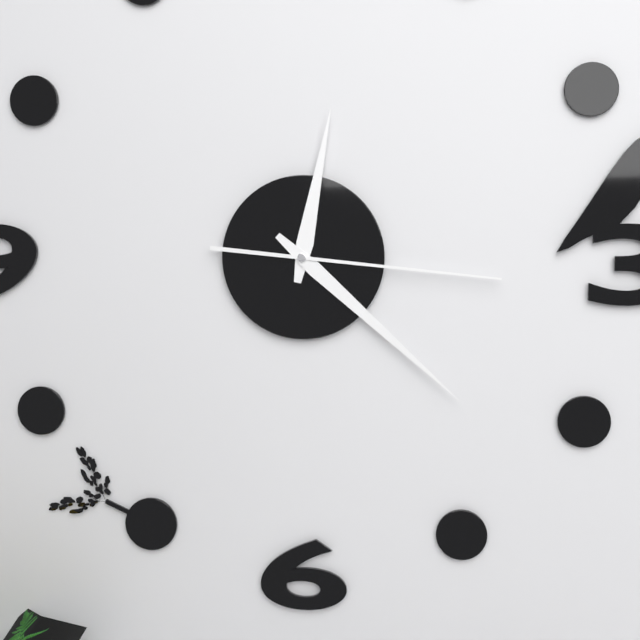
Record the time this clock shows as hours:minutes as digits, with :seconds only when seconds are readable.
12:22:16
